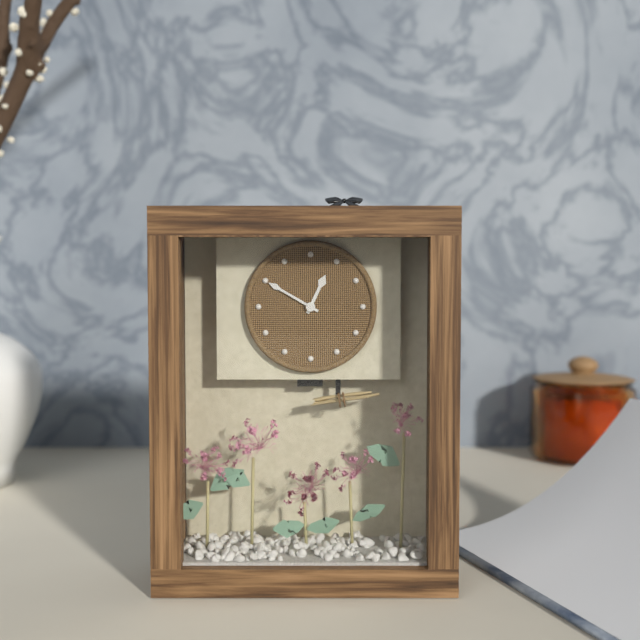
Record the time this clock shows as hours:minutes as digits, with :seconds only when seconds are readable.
12:50
